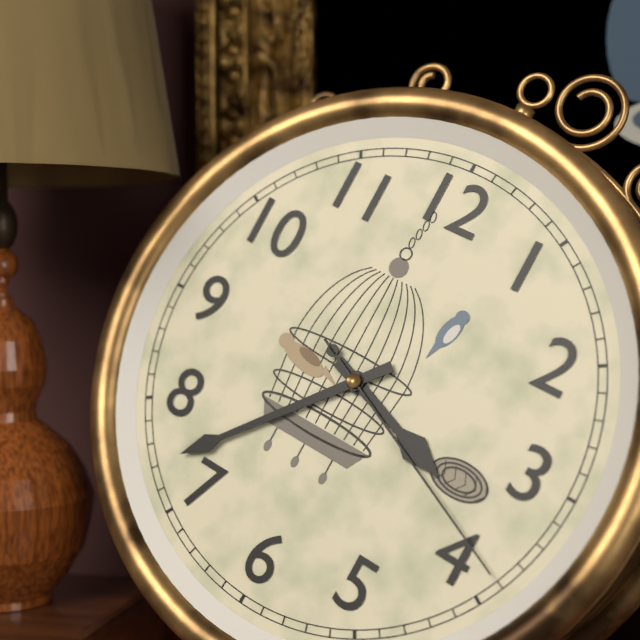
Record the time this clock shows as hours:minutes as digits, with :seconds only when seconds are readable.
3:37:19
